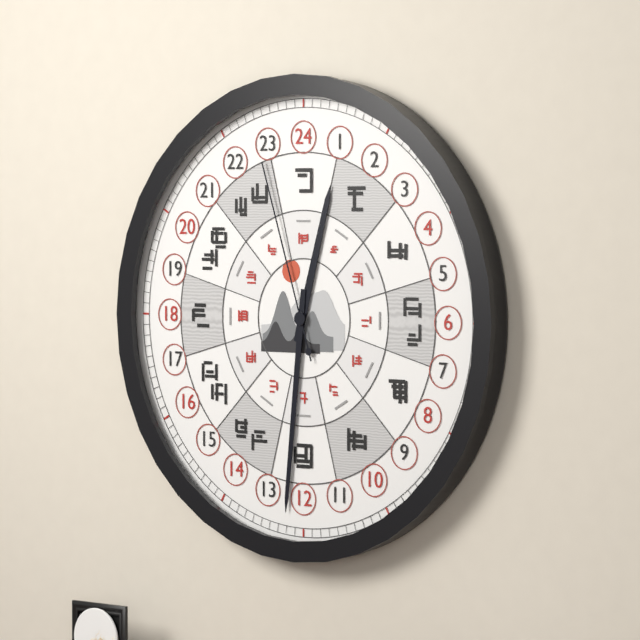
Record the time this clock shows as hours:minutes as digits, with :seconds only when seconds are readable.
12:31:57
